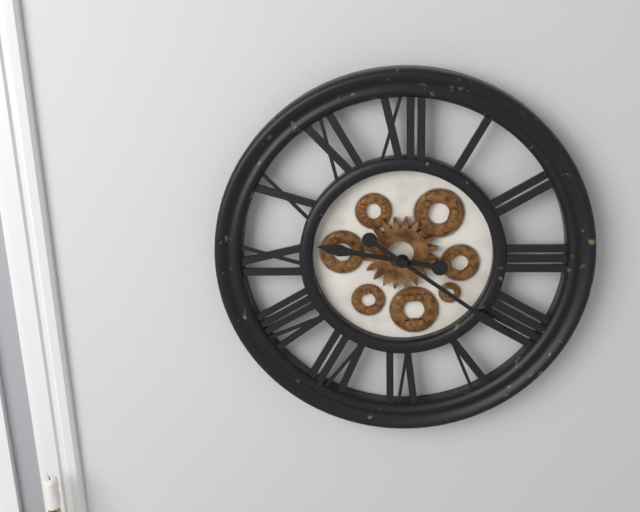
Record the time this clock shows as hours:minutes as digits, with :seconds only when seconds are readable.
9:21
